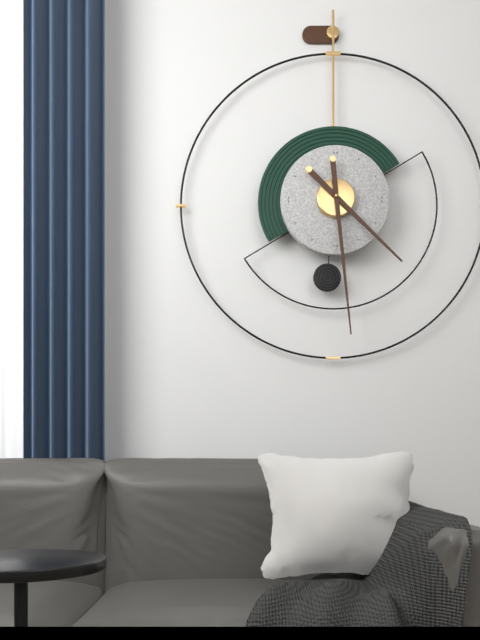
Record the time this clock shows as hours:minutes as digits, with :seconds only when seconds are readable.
4:29
